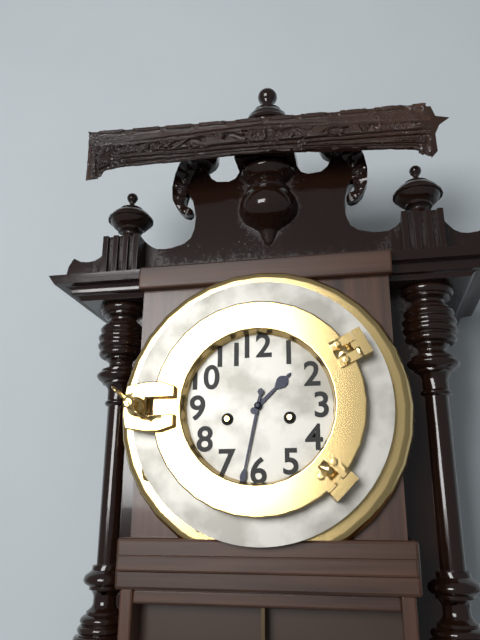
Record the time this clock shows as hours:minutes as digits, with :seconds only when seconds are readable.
1:32
